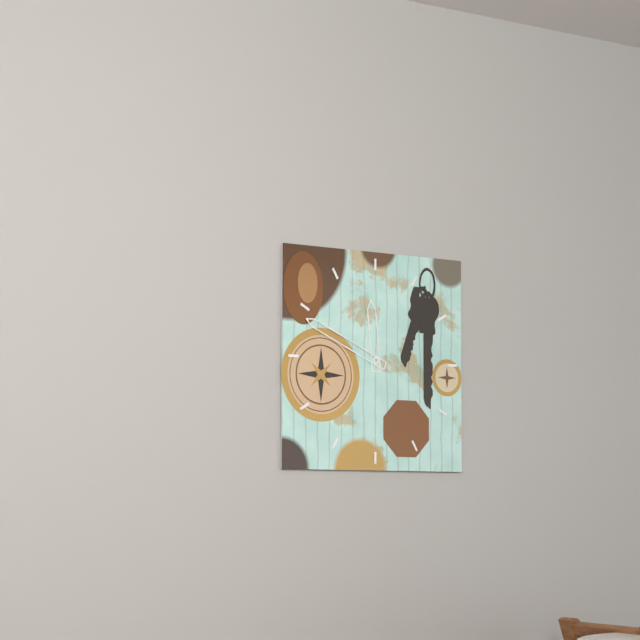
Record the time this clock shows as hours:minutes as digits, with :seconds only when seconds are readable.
11:49
